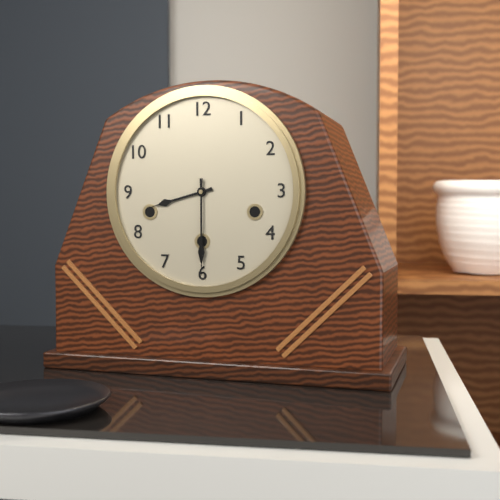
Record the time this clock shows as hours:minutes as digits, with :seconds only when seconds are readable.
8:30
